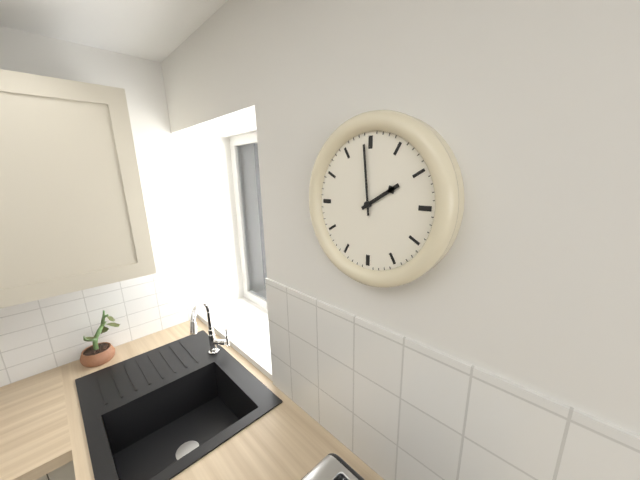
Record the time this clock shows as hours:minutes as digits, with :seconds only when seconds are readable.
1:59
